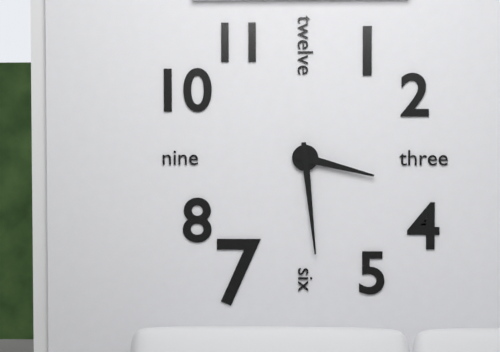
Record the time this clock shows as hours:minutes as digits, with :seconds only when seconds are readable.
3:29
